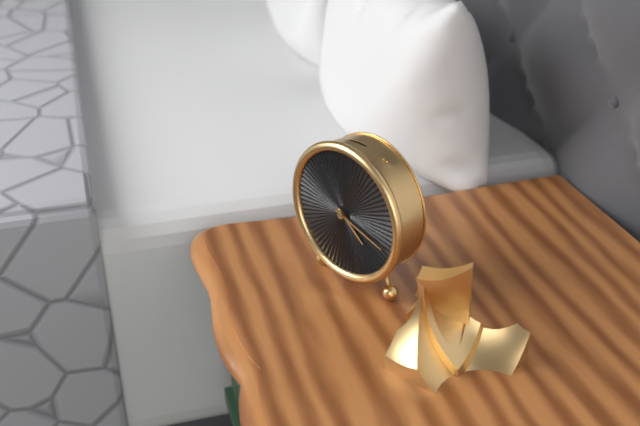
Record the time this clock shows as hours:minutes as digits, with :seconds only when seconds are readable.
4:18
